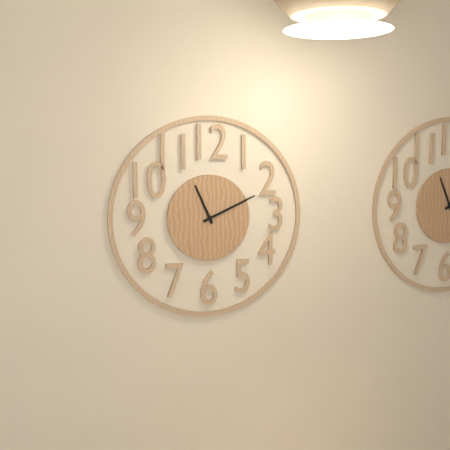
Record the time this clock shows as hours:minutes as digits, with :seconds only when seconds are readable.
11:11
